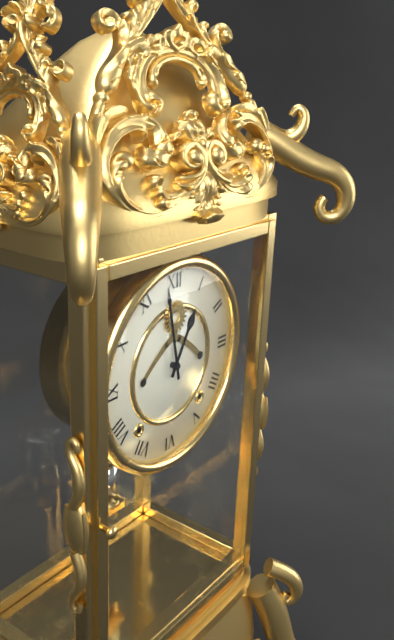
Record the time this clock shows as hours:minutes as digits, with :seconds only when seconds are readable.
12:58
